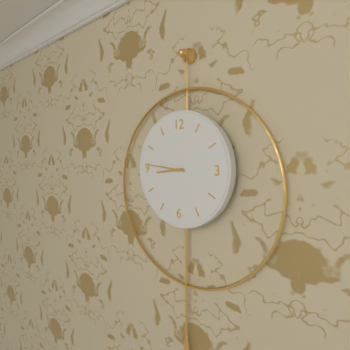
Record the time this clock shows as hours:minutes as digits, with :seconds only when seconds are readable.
8:46
